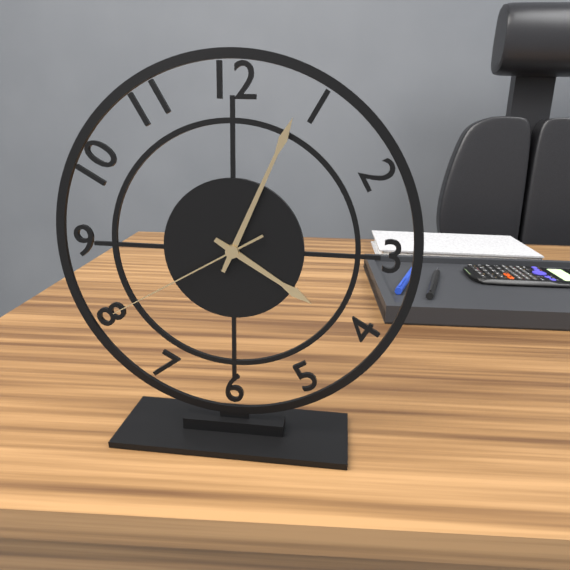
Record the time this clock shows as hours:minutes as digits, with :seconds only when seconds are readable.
4:04:40
